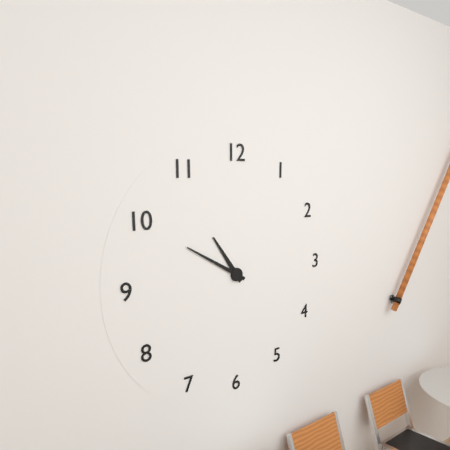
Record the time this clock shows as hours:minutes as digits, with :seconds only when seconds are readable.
10:50
